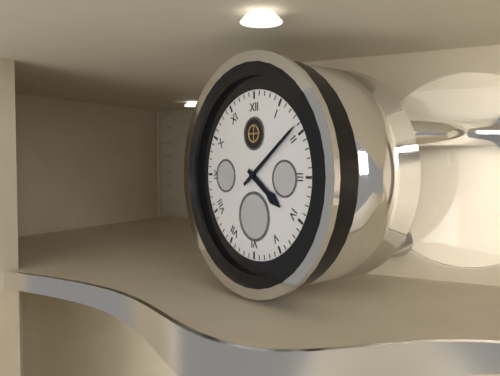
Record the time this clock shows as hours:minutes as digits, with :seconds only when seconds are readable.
4:09
